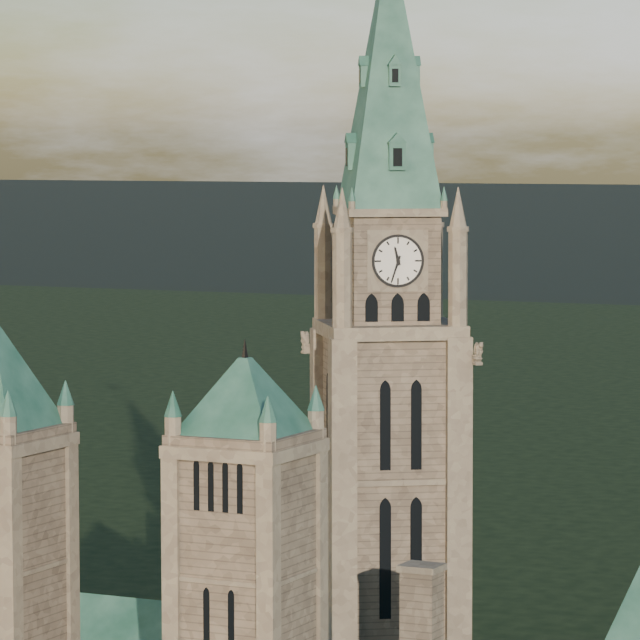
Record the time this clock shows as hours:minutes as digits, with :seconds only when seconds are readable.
11:33
